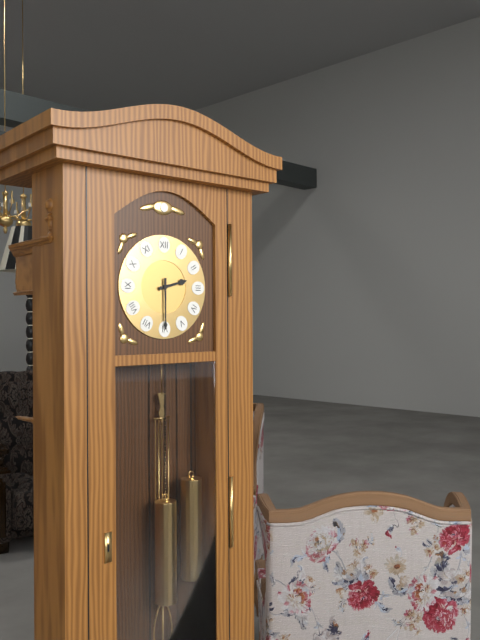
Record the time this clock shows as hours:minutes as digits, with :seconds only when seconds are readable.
2:30
